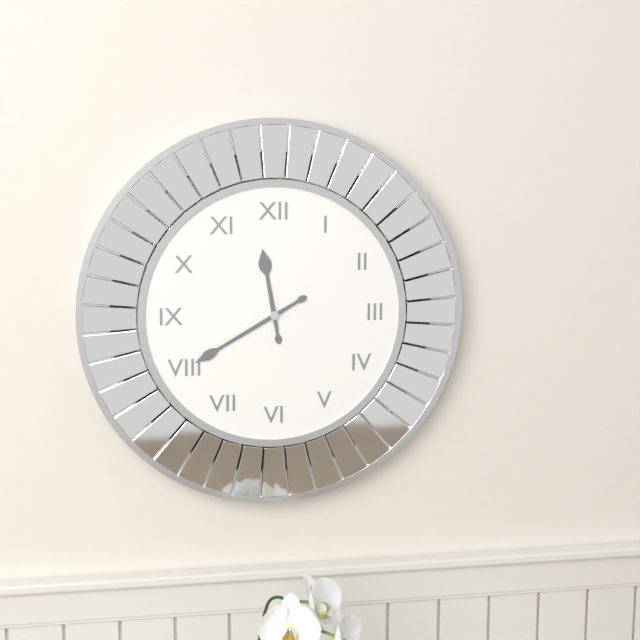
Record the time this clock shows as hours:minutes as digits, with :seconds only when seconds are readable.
11:40
